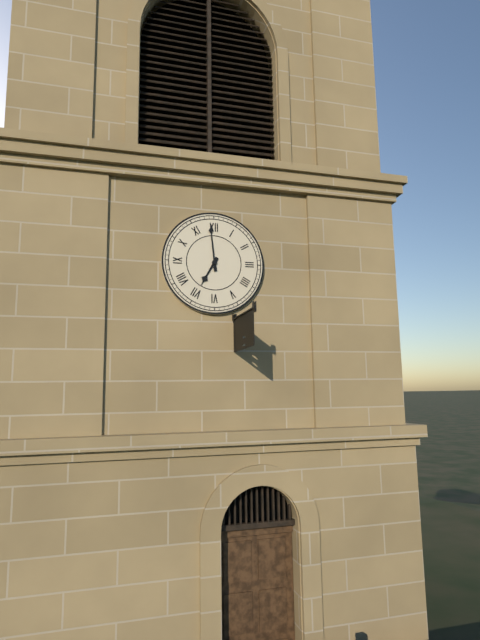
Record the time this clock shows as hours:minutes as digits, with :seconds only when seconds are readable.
6:59
